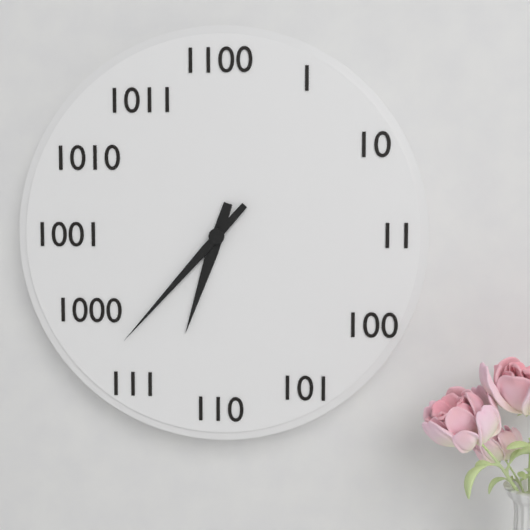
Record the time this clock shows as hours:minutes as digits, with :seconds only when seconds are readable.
6:37
